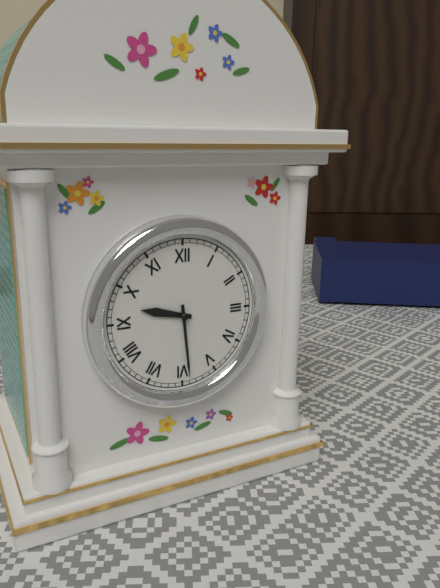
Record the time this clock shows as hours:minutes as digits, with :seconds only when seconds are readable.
9:29
